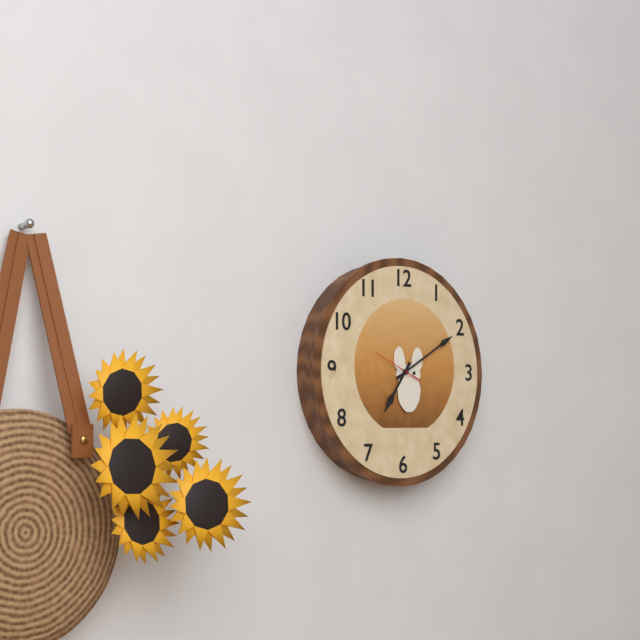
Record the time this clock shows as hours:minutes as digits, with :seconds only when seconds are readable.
7:10
